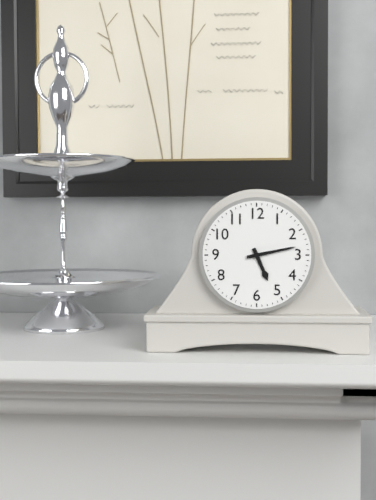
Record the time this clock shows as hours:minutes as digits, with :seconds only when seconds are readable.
5:13
